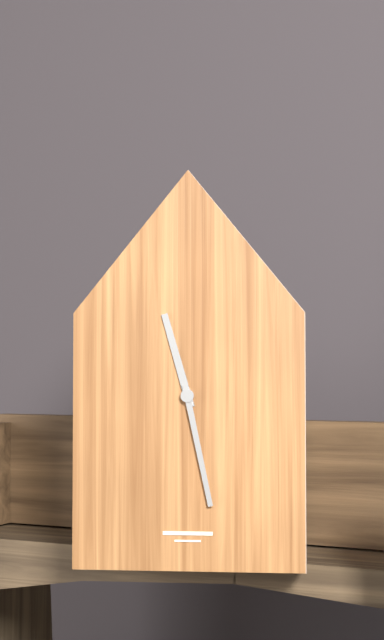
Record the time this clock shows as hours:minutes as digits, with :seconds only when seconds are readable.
11:28
